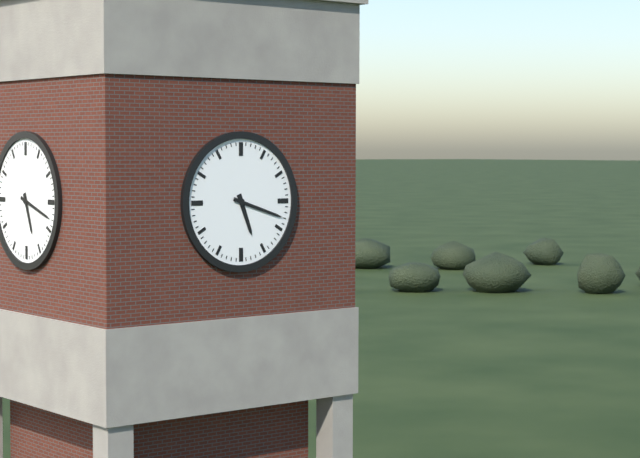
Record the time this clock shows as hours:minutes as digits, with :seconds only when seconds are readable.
5:18
